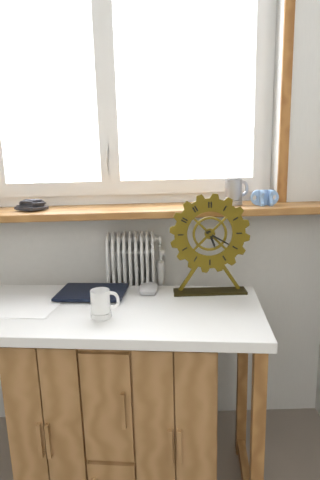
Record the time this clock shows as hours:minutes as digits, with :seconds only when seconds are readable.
5:20
